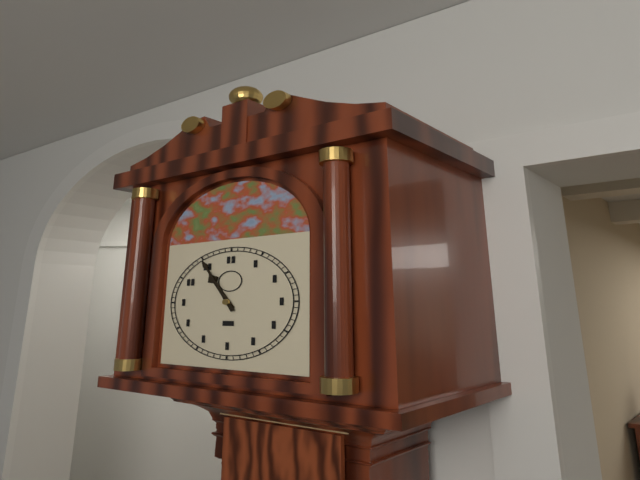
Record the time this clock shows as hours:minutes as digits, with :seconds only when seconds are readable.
10:55
